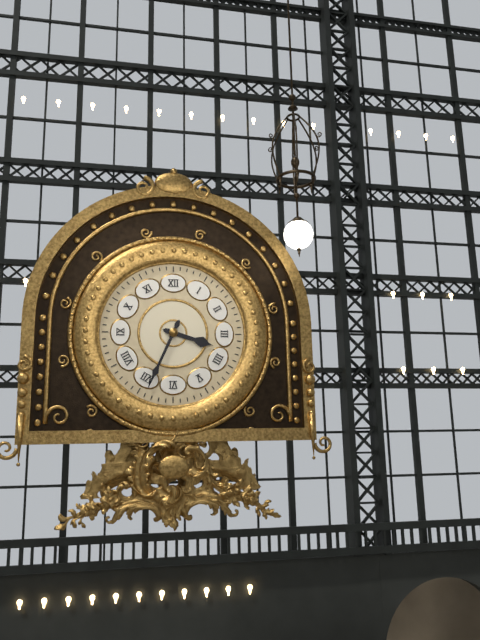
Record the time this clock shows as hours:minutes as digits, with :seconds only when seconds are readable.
3:34
